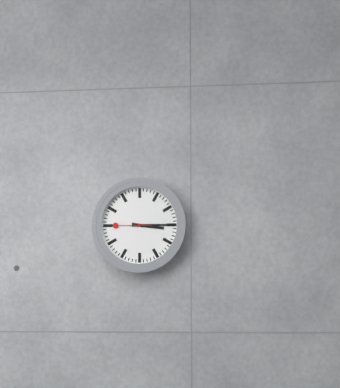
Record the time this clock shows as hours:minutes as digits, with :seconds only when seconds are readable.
3:15
